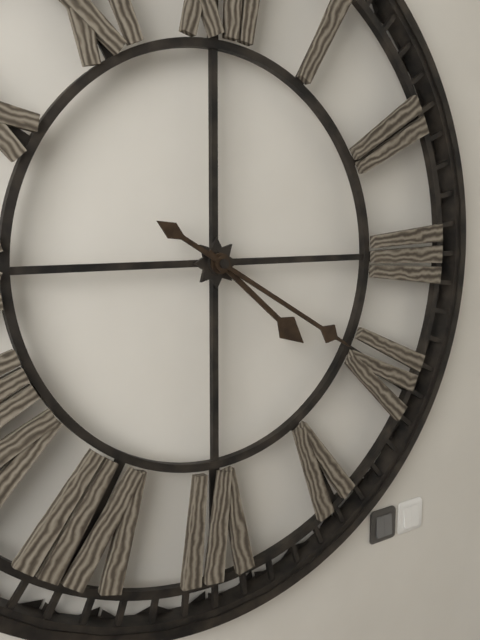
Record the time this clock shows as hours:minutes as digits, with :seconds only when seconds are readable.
4:20
